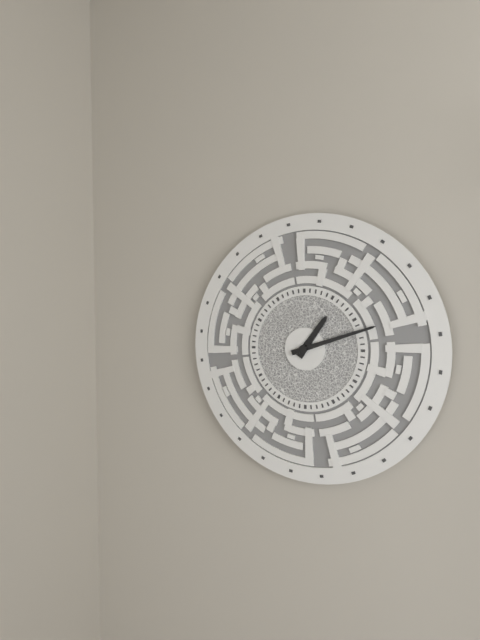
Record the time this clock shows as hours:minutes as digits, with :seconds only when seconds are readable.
1:12
